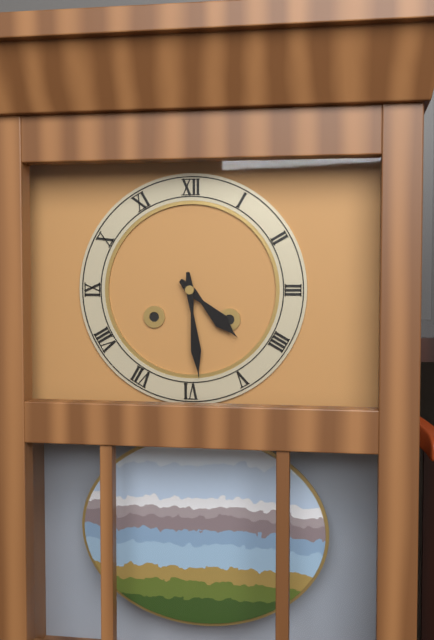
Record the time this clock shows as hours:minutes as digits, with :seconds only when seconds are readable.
4:29
